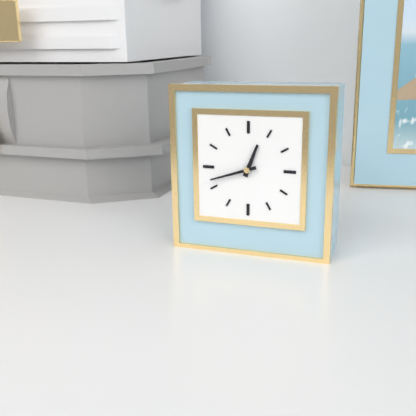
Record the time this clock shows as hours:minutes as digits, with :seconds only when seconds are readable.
12:42
